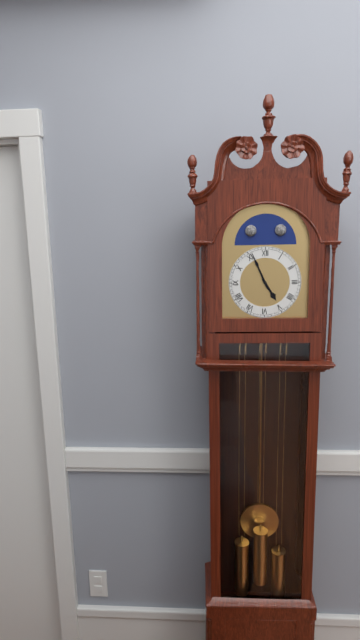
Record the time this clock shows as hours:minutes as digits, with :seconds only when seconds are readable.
4:56
